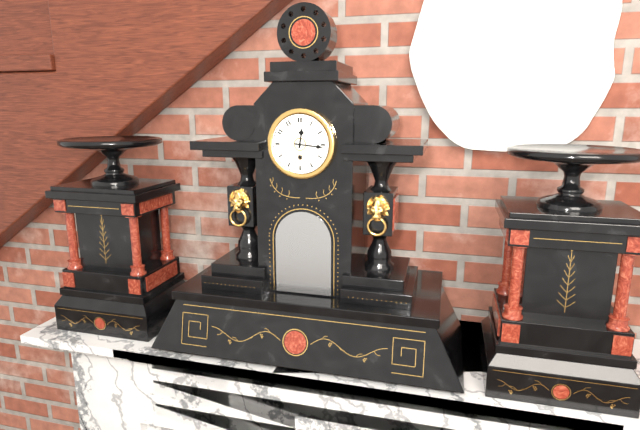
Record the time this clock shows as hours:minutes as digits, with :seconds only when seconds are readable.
12:16
